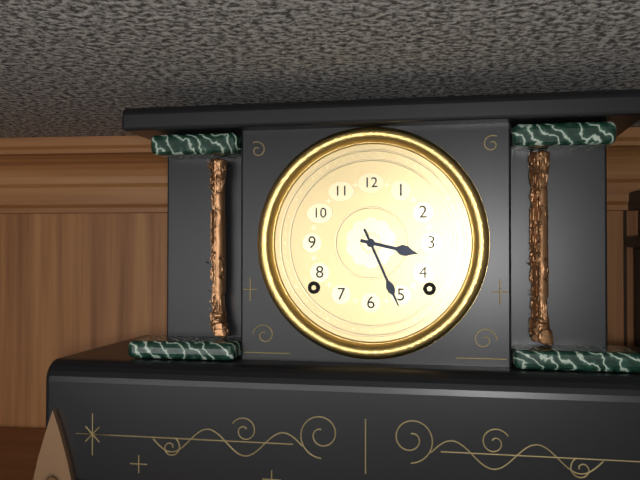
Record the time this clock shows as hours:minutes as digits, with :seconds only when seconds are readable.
3:26
